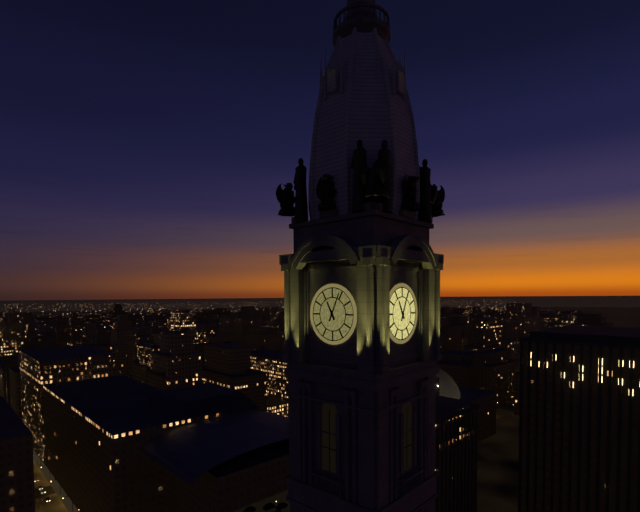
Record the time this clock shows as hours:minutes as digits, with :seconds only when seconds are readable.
11:04
